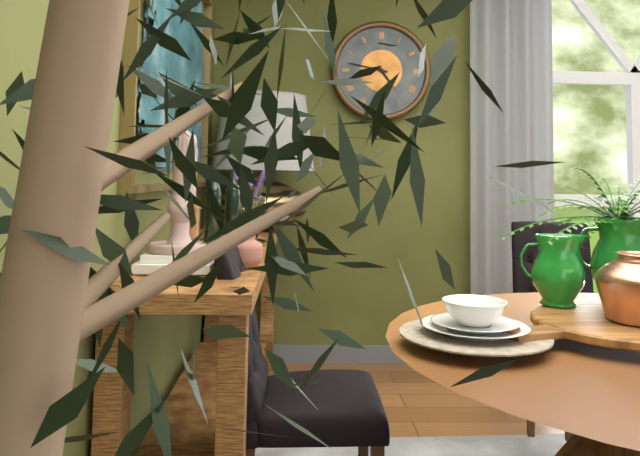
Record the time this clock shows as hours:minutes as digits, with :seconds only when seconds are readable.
4:47
